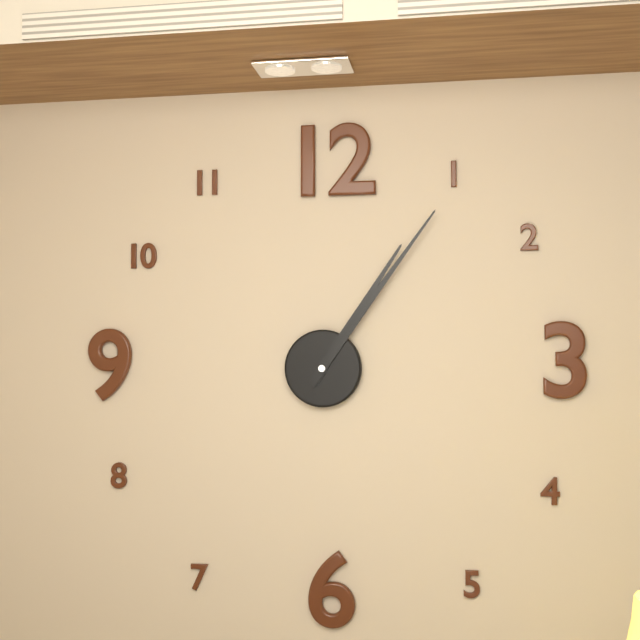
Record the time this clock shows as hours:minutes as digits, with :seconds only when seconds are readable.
1:06
